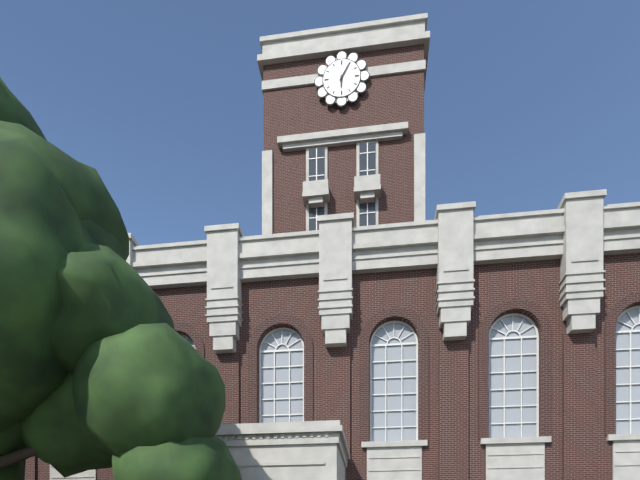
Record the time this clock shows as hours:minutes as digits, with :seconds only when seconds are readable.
6:05
